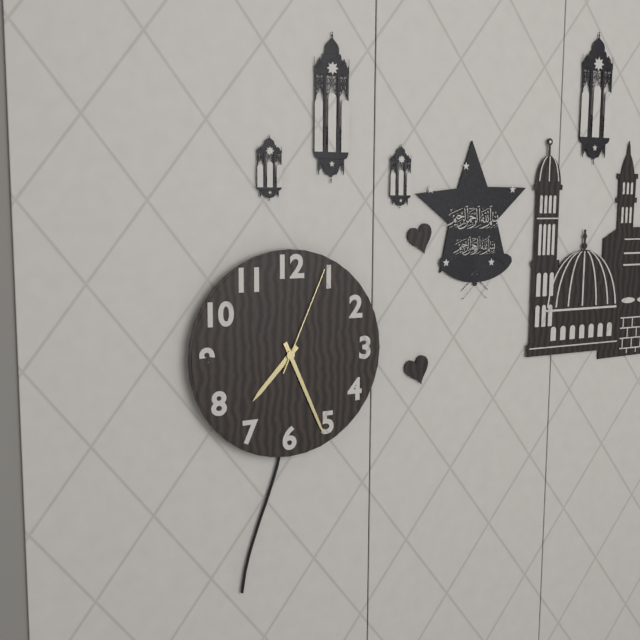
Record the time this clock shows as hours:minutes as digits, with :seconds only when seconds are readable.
7:26:04
